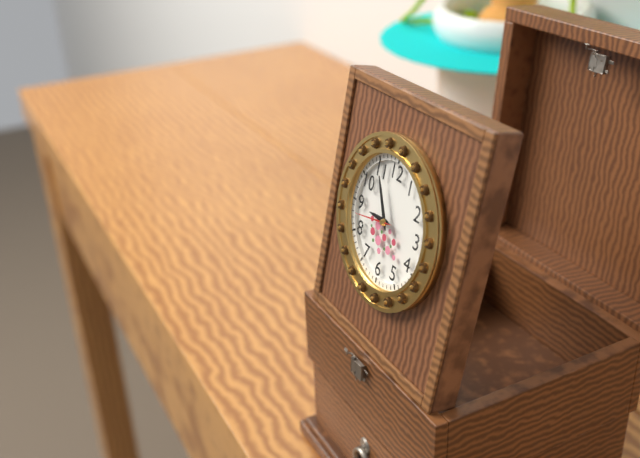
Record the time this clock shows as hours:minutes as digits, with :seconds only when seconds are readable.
8:55
